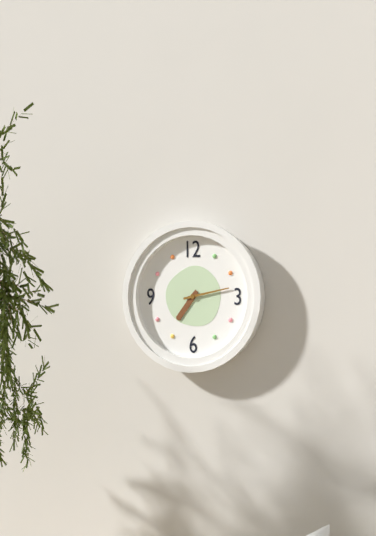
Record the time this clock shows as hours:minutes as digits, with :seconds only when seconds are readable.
7:13
